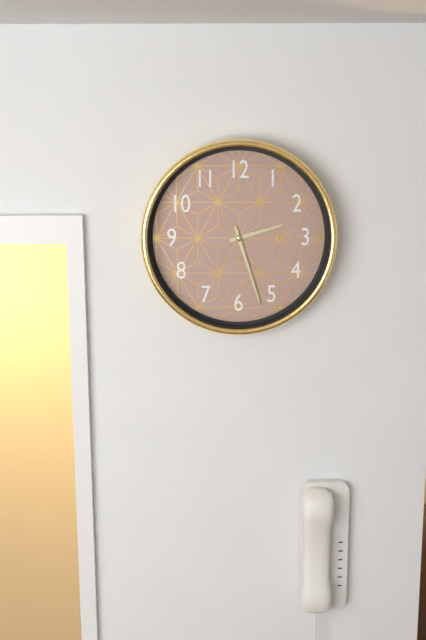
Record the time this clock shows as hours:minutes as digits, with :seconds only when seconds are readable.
2:27
